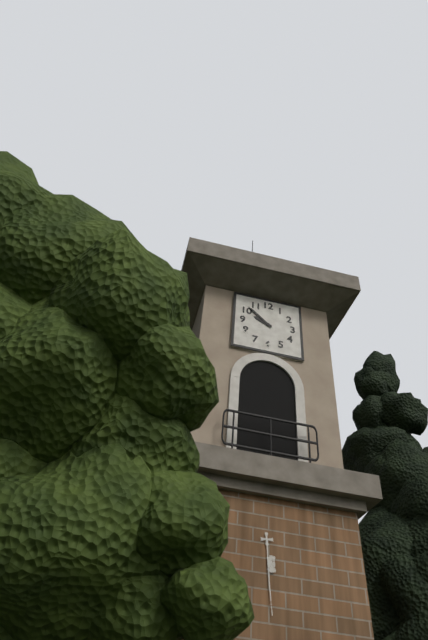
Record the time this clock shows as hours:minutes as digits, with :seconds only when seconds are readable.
9:52
